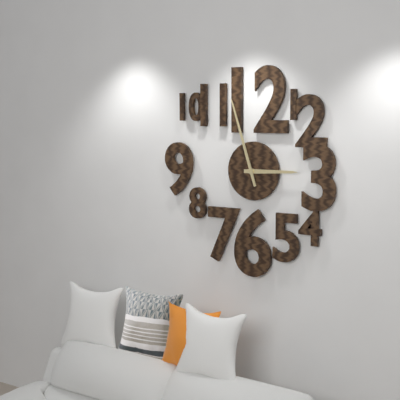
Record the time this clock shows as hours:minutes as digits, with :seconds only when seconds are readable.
2:57
